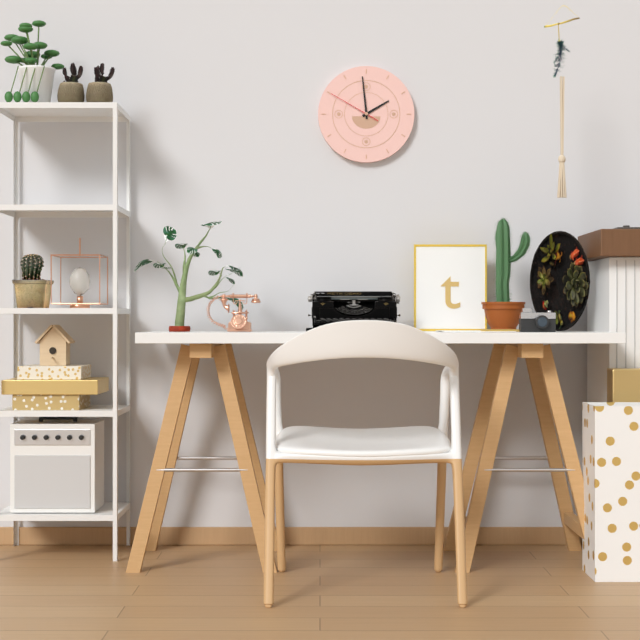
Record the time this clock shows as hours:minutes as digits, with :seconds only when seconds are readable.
1:59:50
